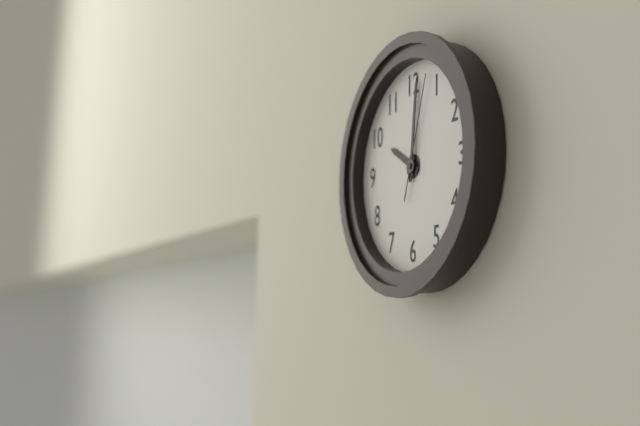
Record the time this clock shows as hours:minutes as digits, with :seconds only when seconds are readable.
10:01:03
